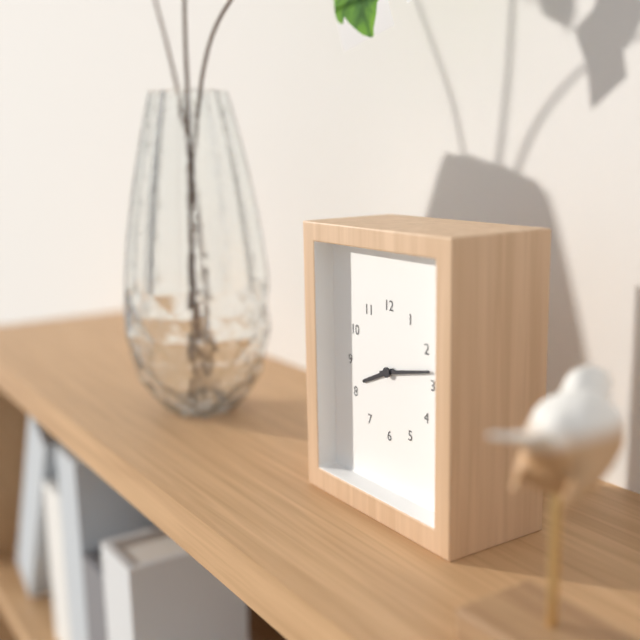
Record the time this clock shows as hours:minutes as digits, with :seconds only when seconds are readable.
8:13
